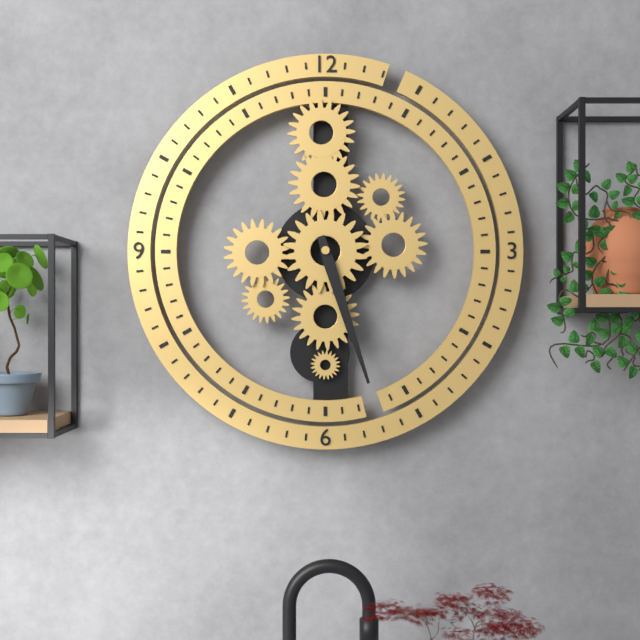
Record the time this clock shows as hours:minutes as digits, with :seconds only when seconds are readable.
5:27
